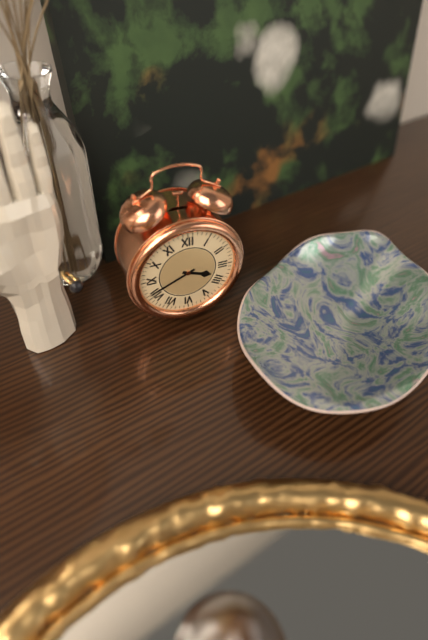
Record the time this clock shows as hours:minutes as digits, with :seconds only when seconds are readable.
3:41
